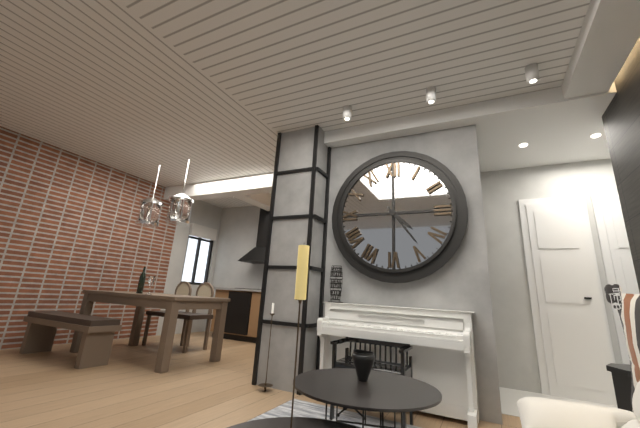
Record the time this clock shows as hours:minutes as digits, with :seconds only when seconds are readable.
4:24
